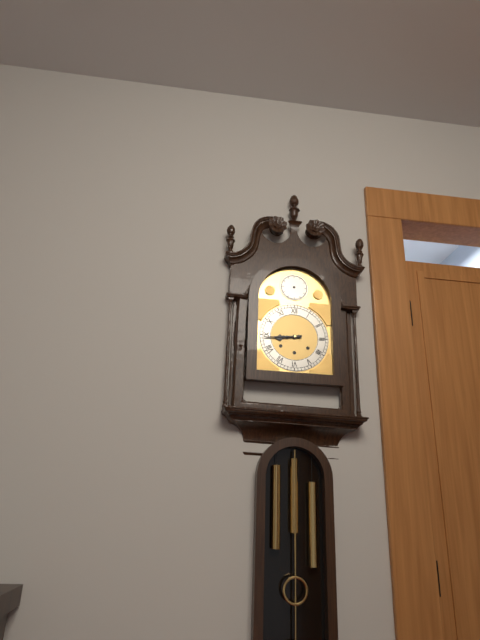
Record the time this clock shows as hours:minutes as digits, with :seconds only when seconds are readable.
8:44
